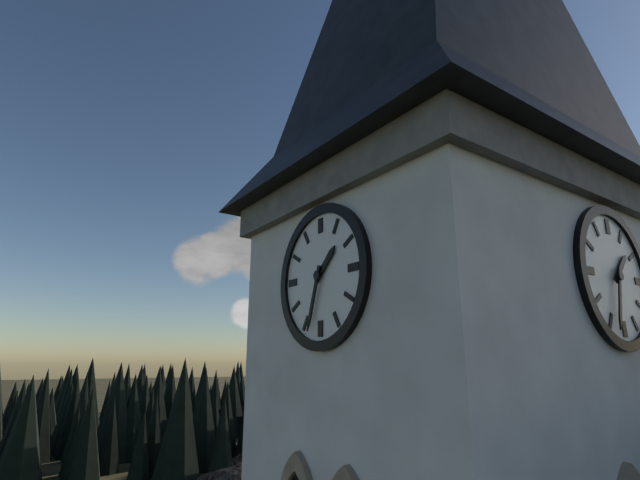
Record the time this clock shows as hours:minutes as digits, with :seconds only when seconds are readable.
1:33
